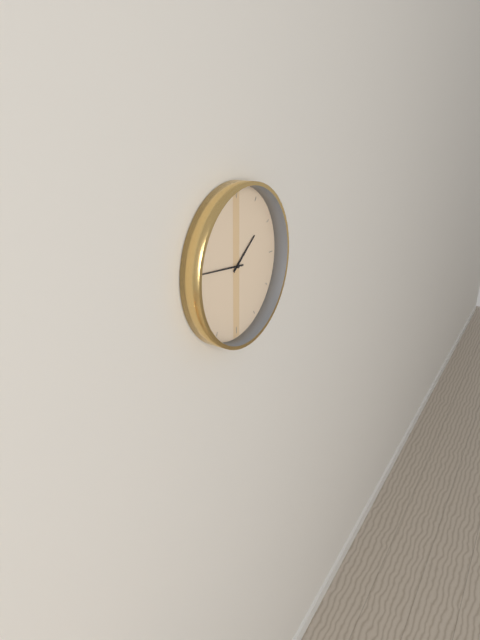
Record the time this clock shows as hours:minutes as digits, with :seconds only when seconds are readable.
1:46
